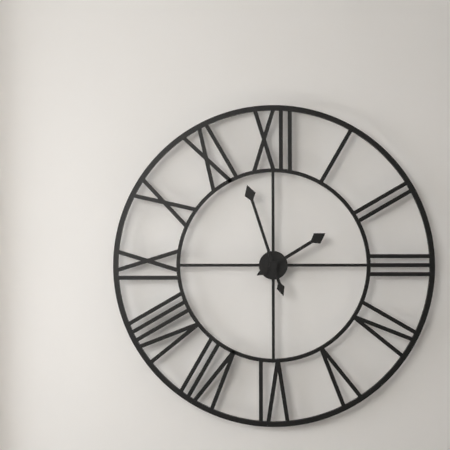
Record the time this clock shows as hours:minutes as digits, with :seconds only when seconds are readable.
1:57
